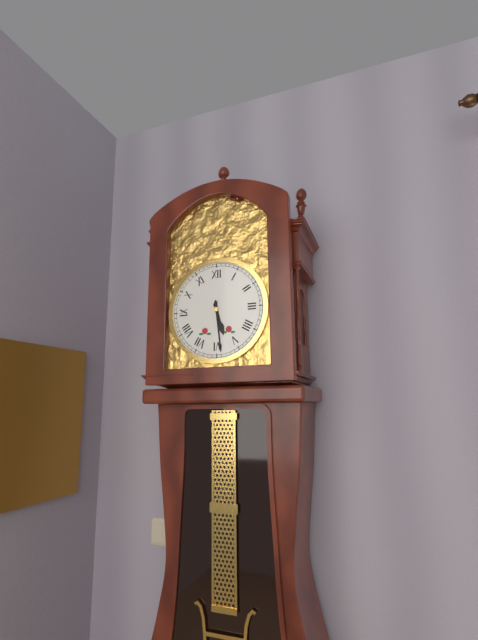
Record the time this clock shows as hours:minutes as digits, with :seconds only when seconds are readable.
5:29
